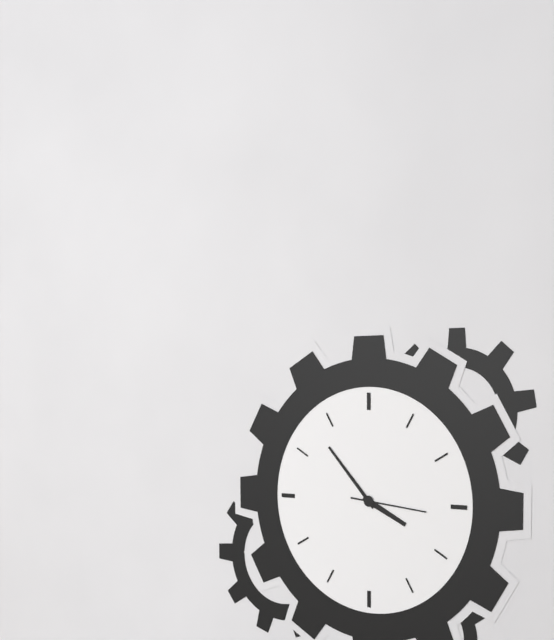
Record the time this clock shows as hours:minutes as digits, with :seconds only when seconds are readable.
3:53:16
